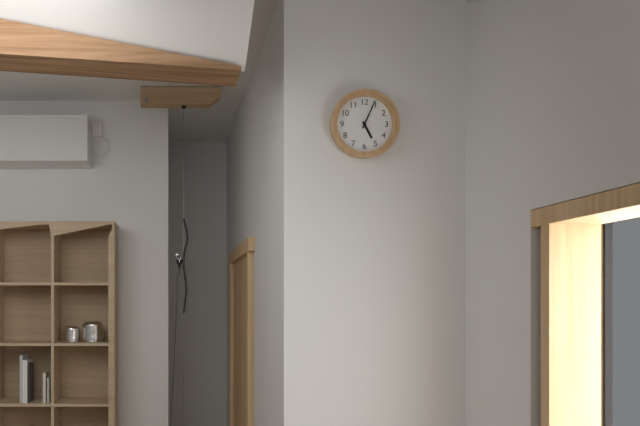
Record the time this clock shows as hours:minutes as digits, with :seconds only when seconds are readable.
5:04
